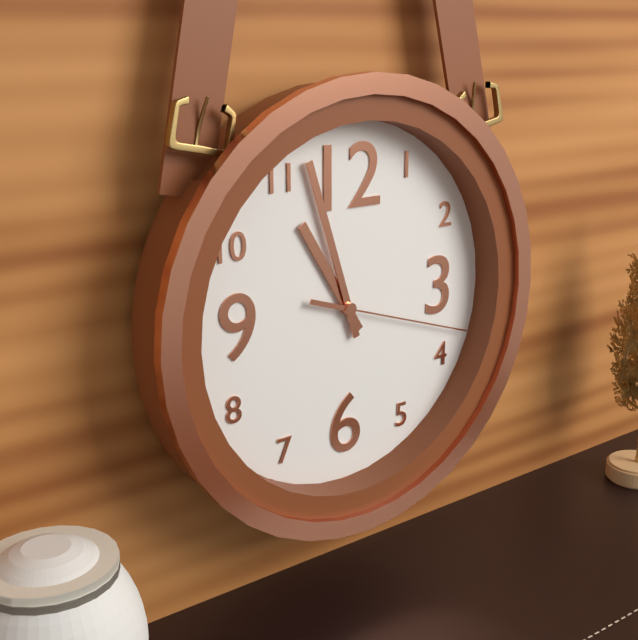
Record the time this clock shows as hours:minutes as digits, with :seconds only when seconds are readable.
10:57:18
